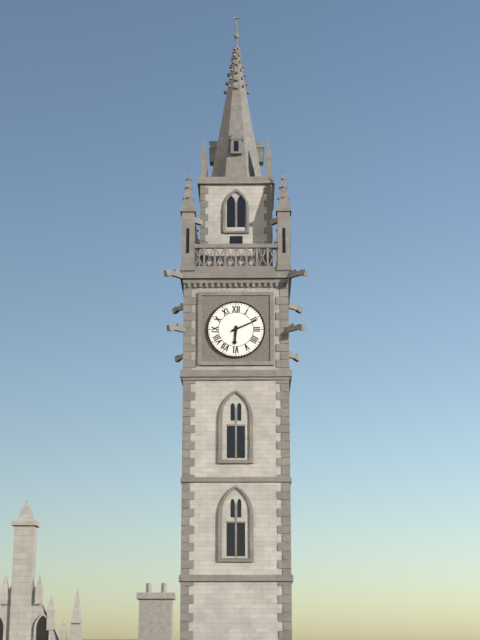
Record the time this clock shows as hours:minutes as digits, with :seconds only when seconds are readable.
6:11
